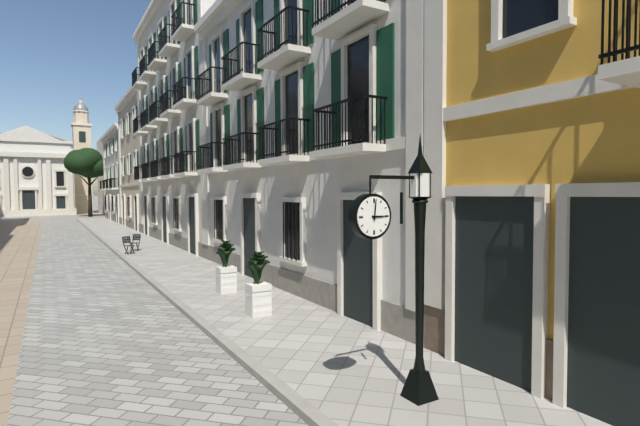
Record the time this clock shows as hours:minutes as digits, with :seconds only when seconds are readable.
3:01
